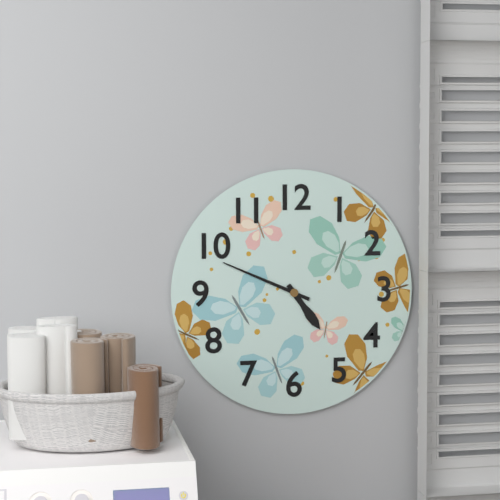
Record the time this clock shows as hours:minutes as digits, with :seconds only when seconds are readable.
4:49
